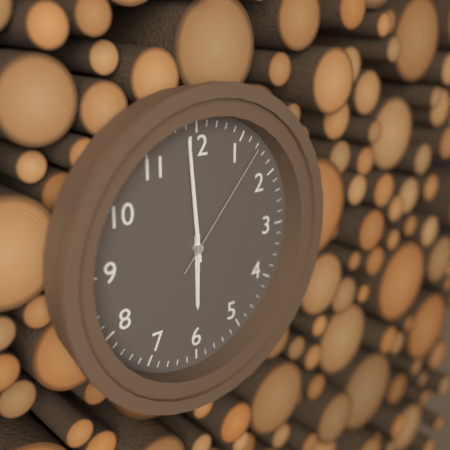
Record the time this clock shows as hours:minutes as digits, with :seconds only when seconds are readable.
5:59:07
